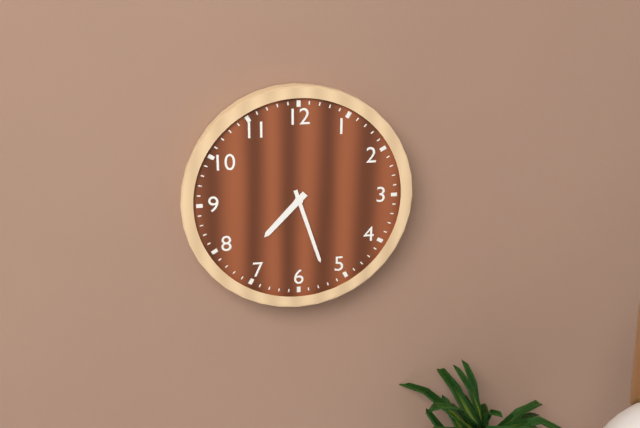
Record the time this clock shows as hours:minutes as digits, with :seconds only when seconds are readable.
7:27
